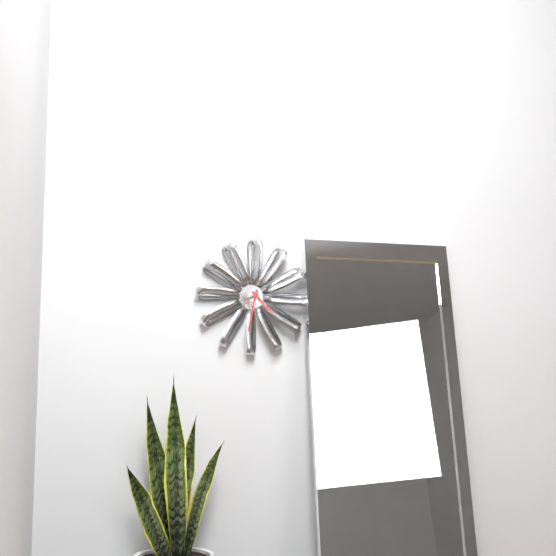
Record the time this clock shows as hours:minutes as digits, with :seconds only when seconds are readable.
4:32
